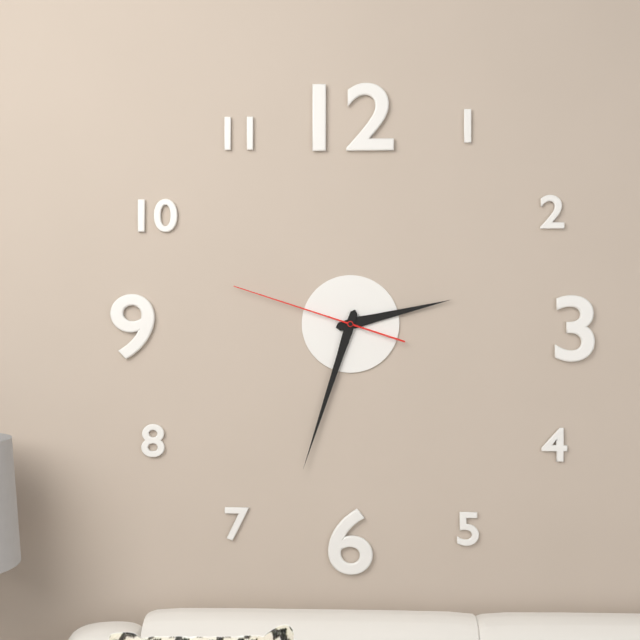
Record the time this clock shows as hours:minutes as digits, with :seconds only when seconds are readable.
2:33:48
